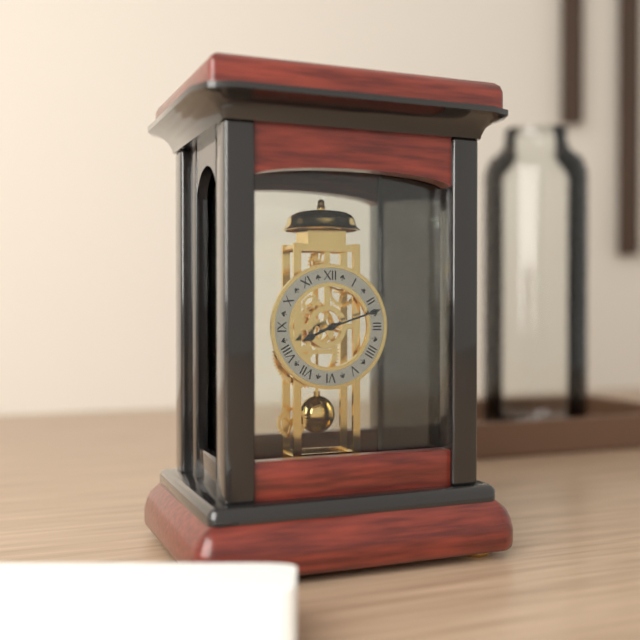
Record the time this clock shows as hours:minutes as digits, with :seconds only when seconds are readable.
8:12
